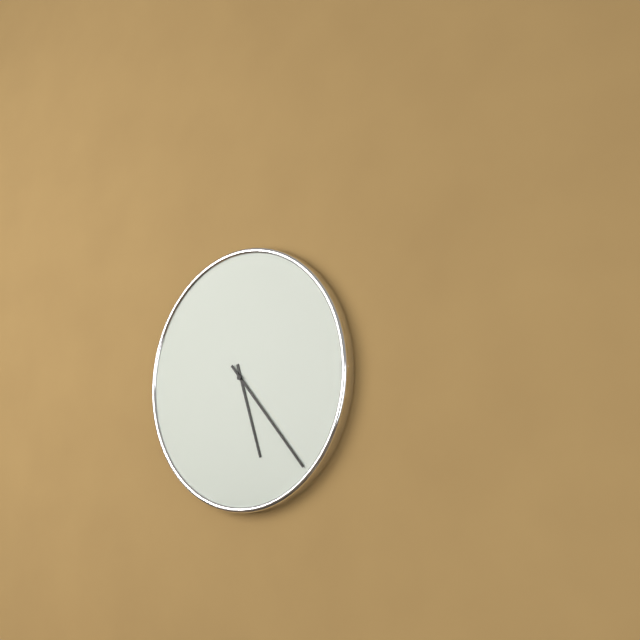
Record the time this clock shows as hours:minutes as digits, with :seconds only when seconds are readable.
5:23
